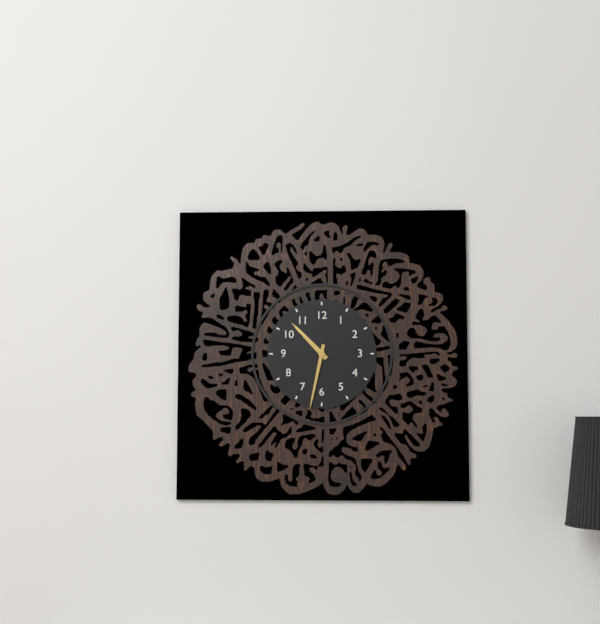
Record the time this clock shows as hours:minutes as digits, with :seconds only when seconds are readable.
10:32
